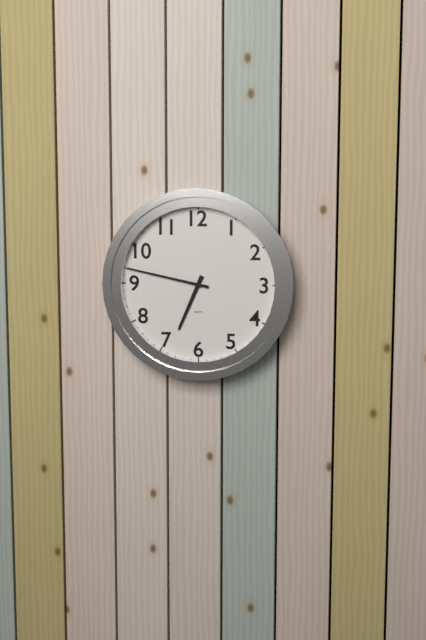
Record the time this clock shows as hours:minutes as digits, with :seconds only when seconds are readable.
6:47
